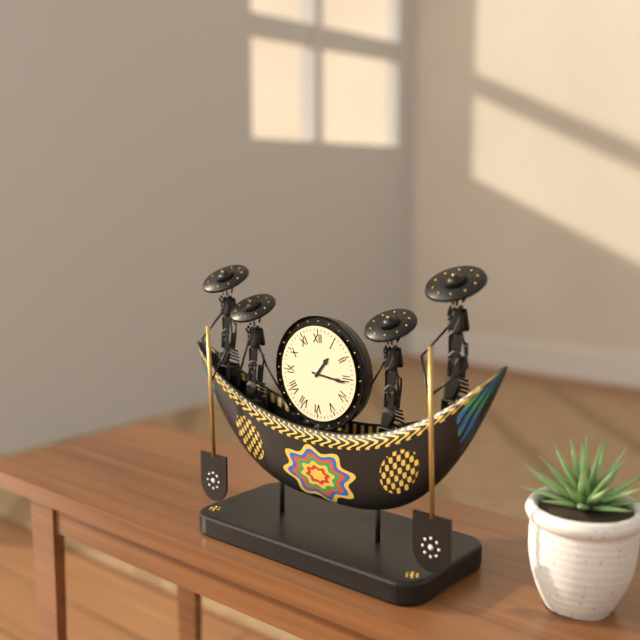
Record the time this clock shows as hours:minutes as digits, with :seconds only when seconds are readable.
1:16
